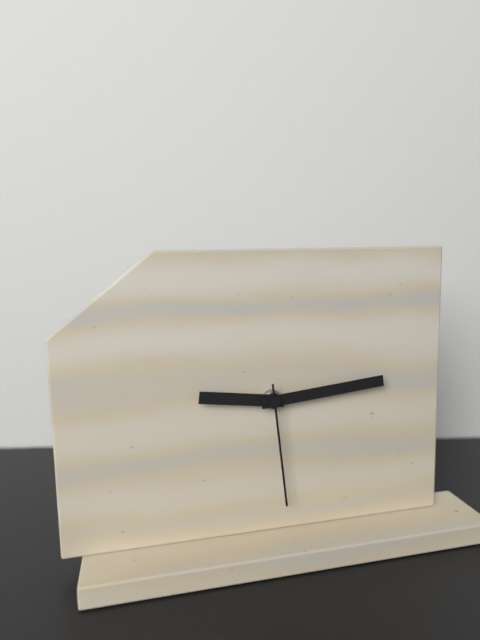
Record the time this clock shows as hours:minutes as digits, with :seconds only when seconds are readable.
9:14:29
